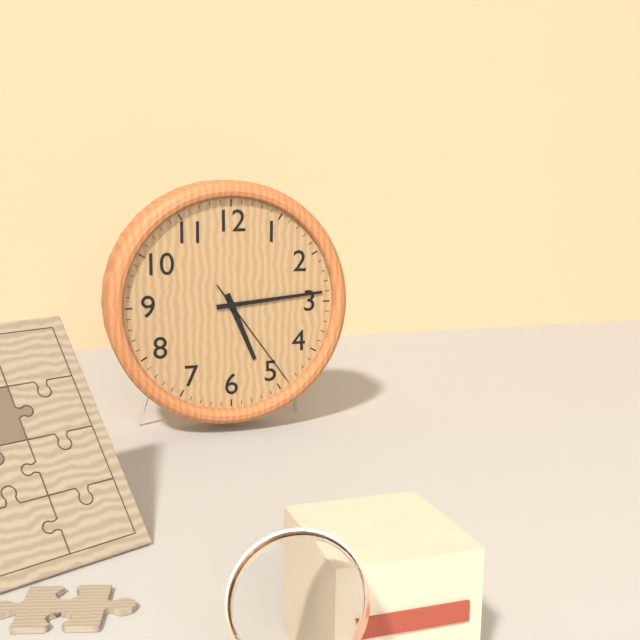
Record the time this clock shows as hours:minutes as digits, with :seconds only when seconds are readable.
5:14:24
